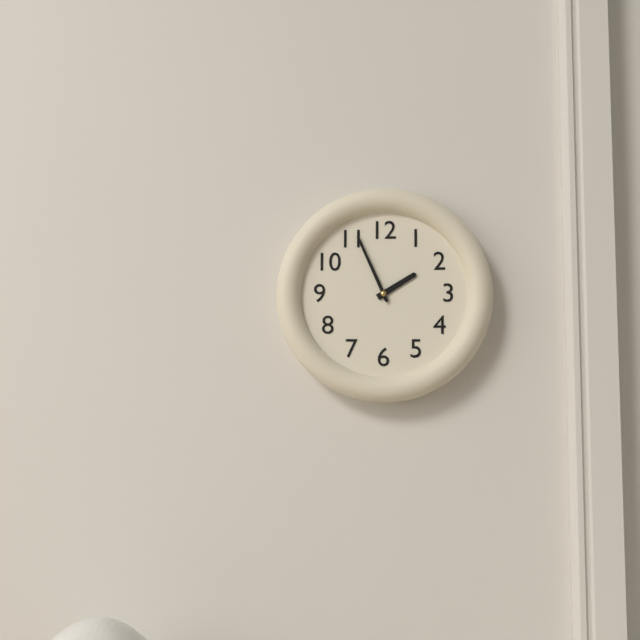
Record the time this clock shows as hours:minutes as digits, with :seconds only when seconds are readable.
1:56
